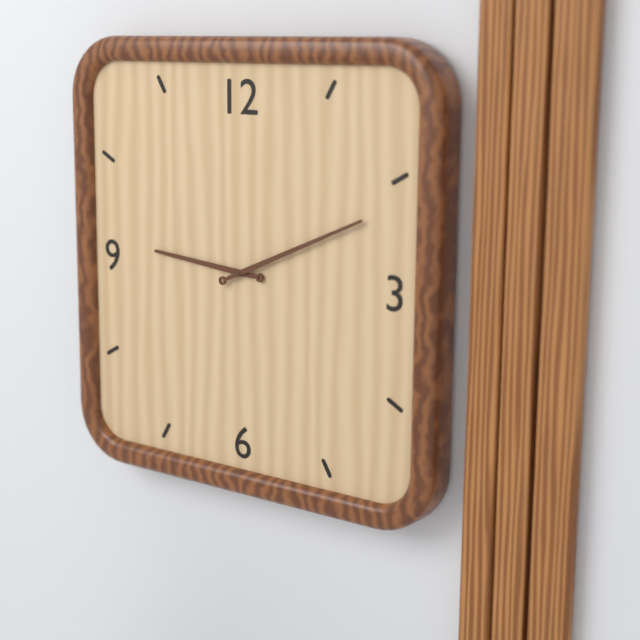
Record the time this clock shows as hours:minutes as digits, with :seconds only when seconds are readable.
9:11
